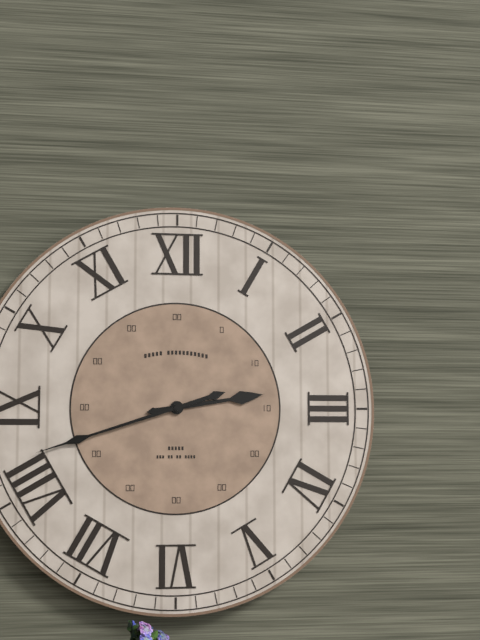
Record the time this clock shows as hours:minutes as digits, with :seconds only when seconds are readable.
2:42
